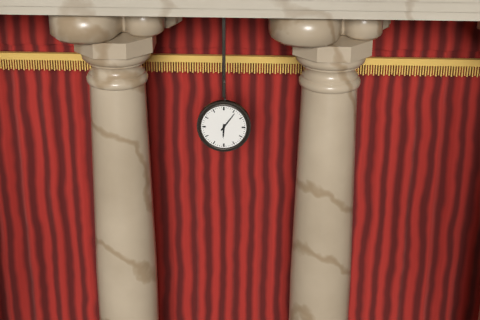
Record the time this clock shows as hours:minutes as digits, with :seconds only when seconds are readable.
6:06
